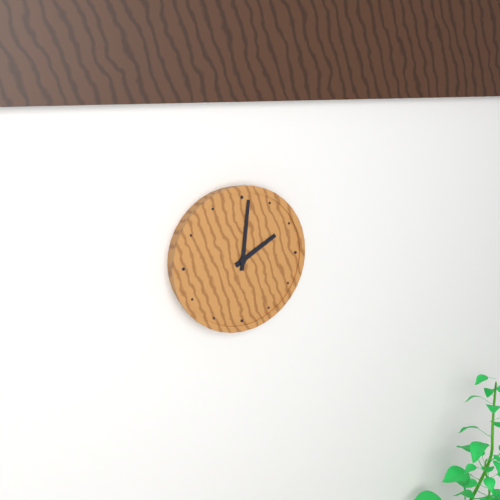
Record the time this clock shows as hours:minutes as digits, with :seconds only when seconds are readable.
2:01
